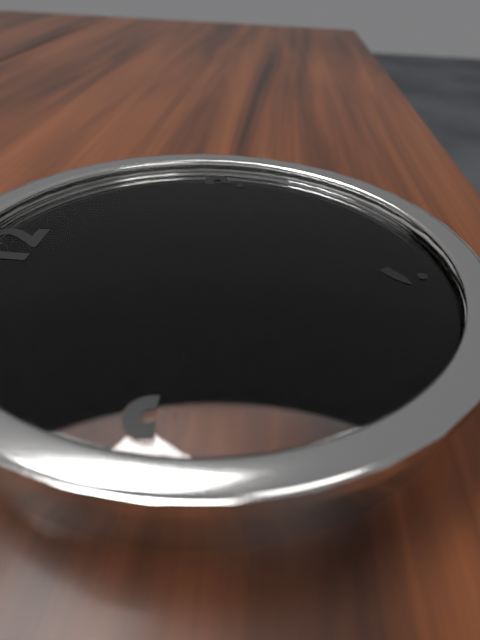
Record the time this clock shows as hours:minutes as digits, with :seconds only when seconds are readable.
11:16
